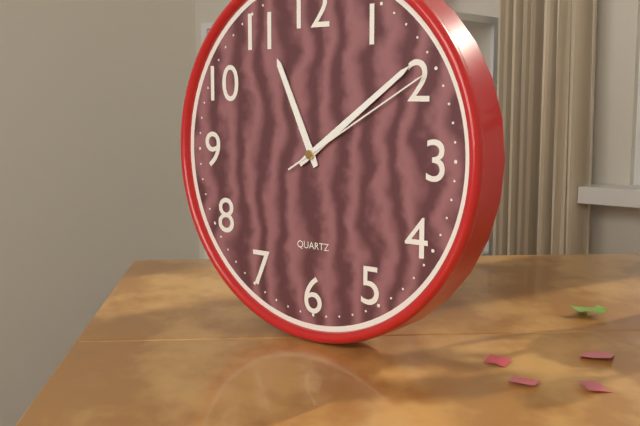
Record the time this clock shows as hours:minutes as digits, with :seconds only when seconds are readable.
11:09:10
